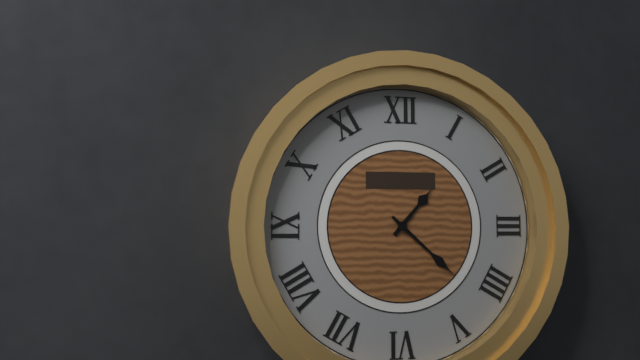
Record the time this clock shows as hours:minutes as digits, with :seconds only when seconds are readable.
1:22
